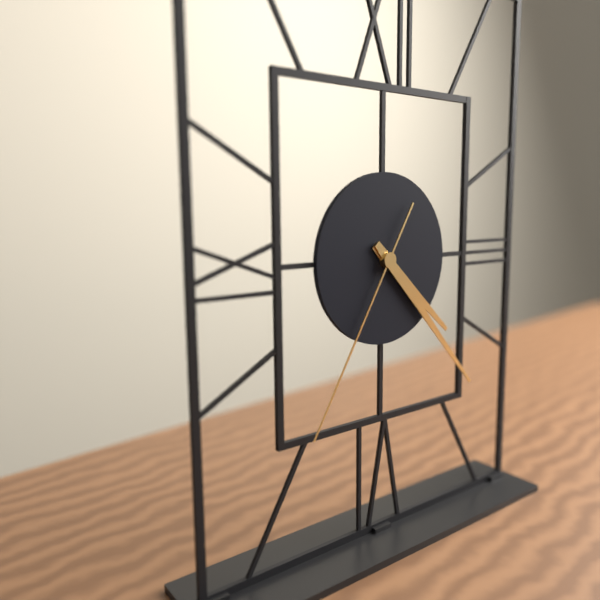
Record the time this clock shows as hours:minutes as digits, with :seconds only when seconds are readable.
4:23:35
